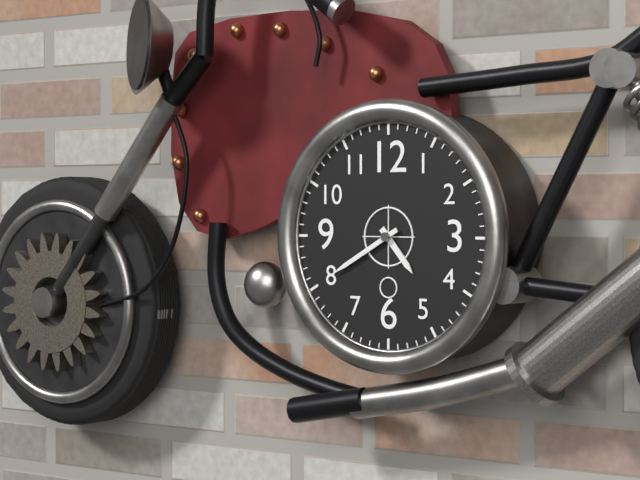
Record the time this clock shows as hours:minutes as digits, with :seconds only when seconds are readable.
4:40
